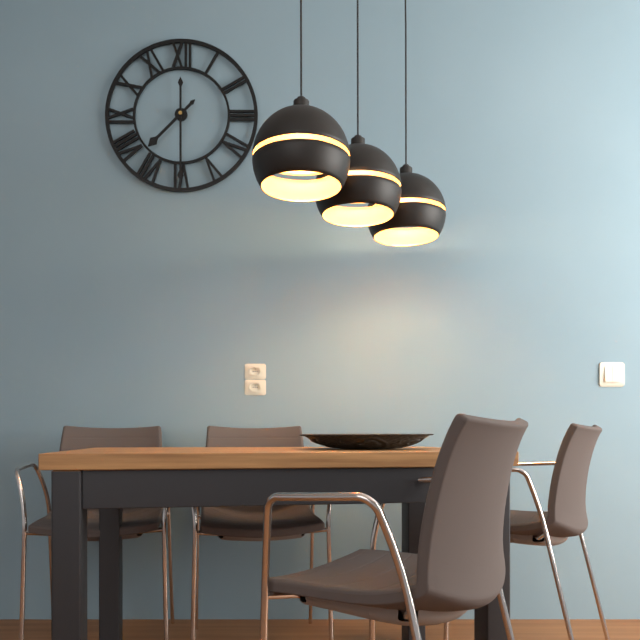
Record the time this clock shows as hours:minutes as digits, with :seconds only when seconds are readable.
7:30
